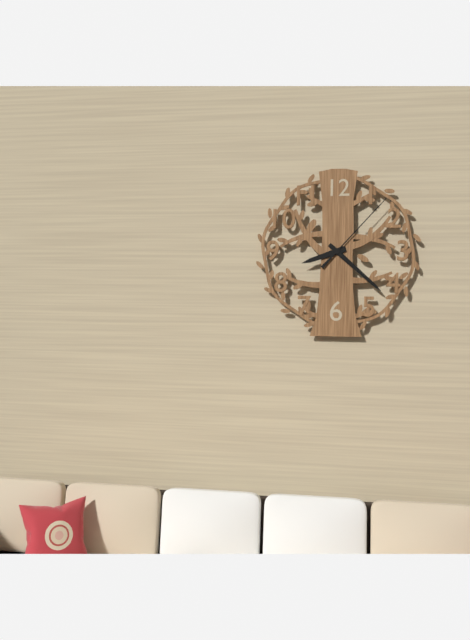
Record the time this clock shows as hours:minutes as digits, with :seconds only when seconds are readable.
8:22:07
